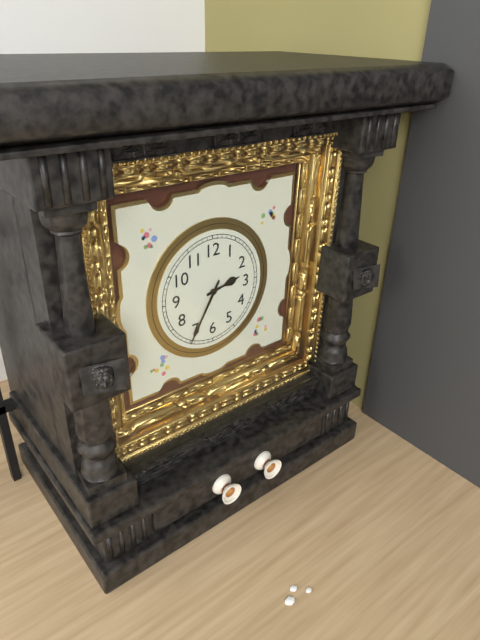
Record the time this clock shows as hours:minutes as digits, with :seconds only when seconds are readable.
2:35
